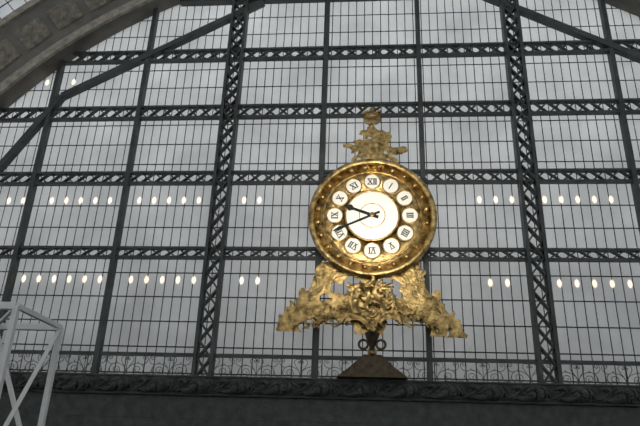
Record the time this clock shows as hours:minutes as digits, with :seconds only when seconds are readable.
9:41
